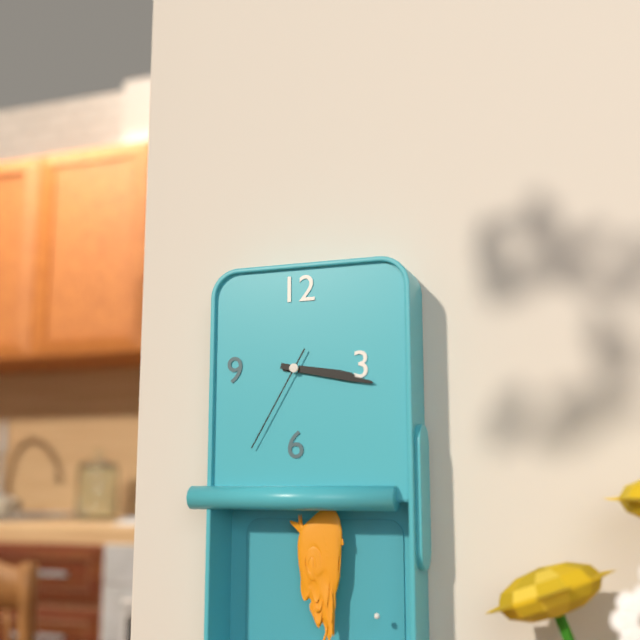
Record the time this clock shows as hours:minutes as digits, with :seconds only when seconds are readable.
3:17:35
